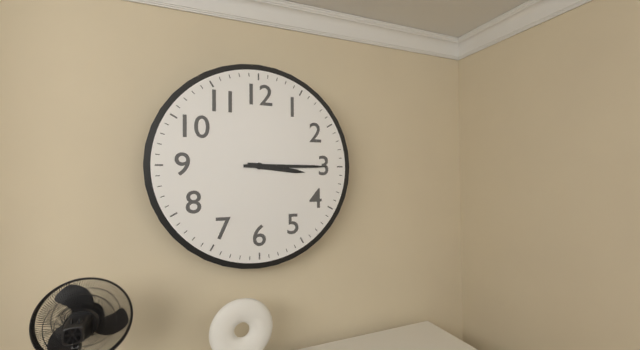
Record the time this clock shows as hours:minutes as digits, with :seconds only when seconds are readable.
3:15
